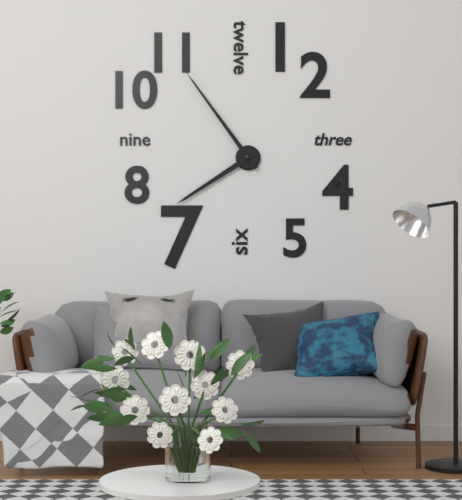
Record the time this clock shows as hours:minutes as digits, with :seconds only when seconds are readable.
7:54
